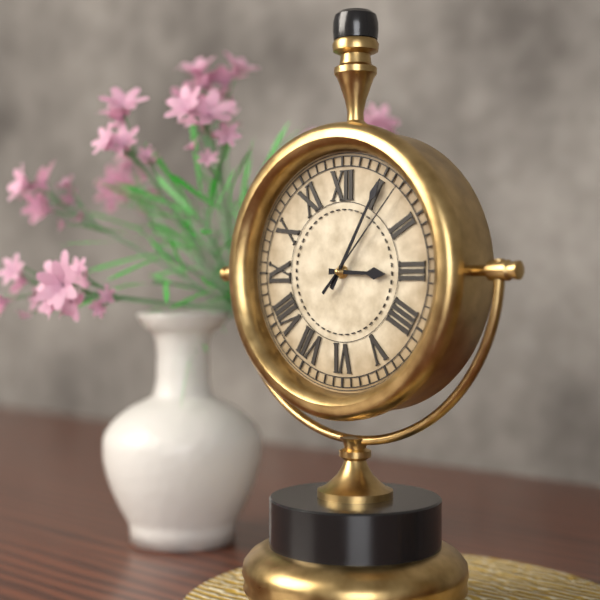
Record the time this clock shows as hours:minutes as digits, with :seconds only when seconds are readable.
3:05:07
